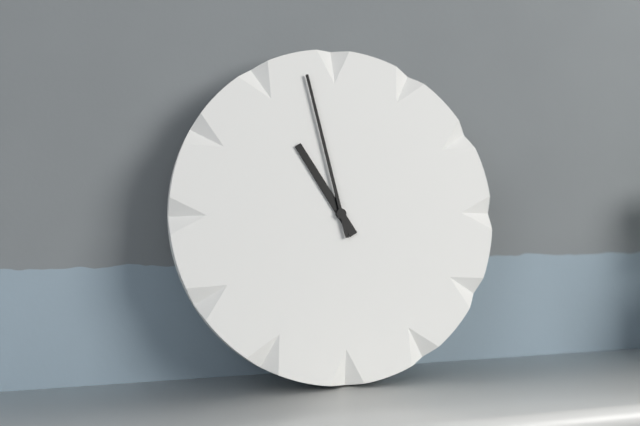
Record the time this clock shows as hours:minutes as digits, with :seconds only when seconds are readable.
10:58
